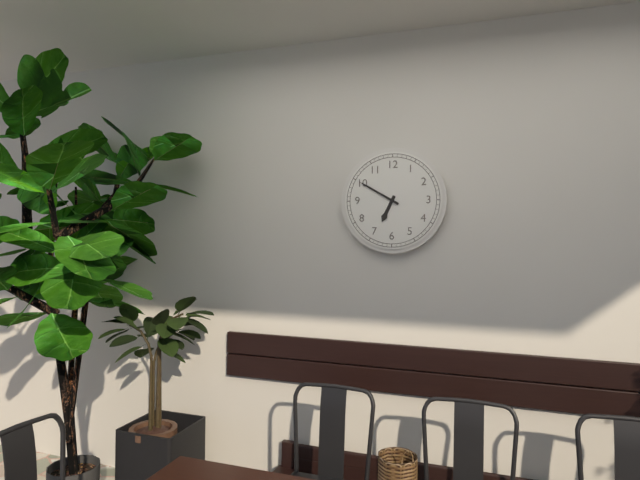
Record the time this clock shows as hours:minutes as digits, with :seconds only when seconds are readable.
6:50
